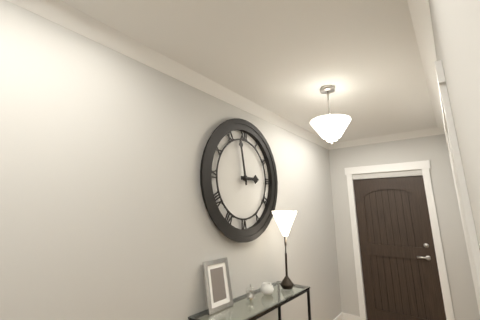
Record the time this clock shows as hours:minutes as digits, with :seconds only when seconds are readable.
2:58
